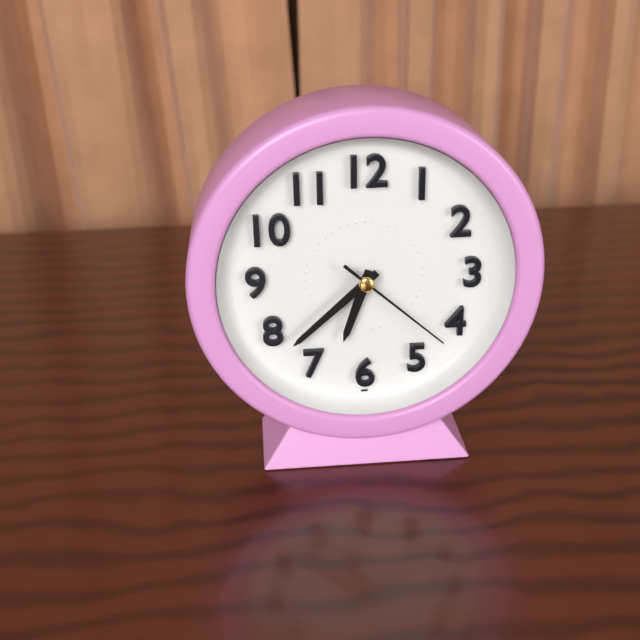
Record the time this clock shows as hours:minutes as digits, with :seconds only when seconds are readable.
6:38:22
